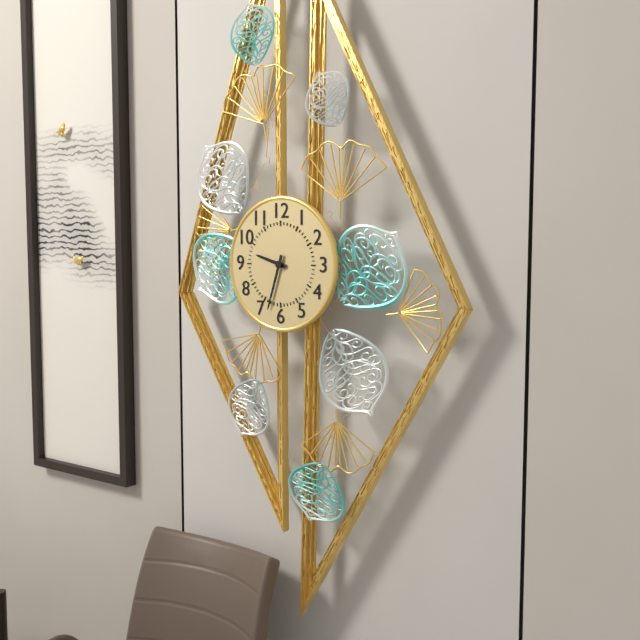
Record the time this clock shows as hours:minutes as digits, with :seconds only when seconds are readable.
9:33
